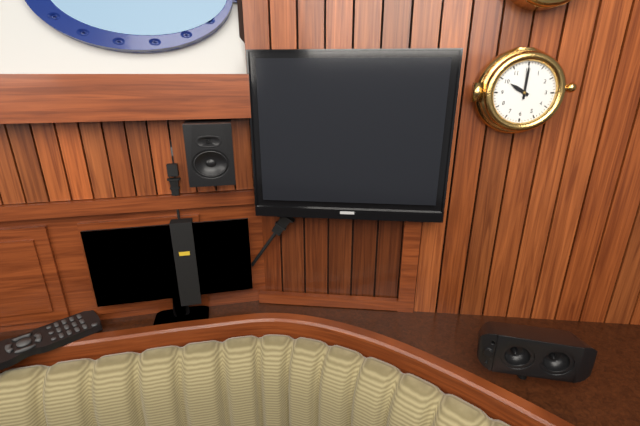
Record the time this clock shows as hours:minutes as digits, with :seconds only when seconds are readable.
10:00
